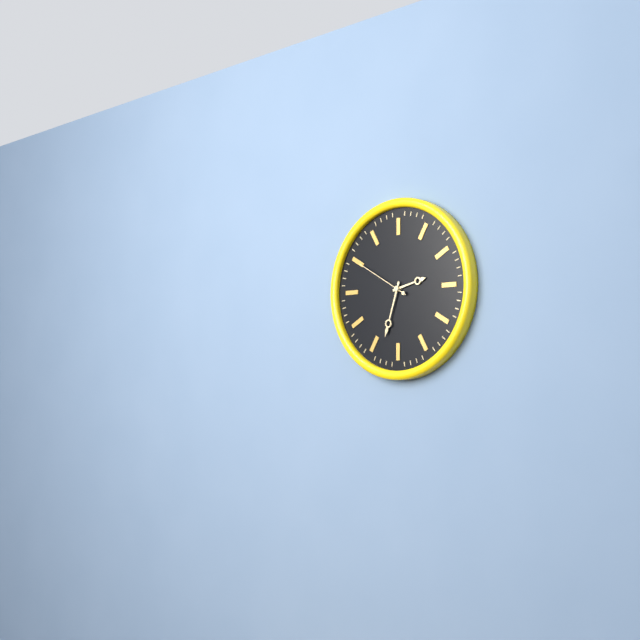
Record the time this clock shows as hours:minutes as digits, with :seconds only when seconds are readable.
2:33:50
